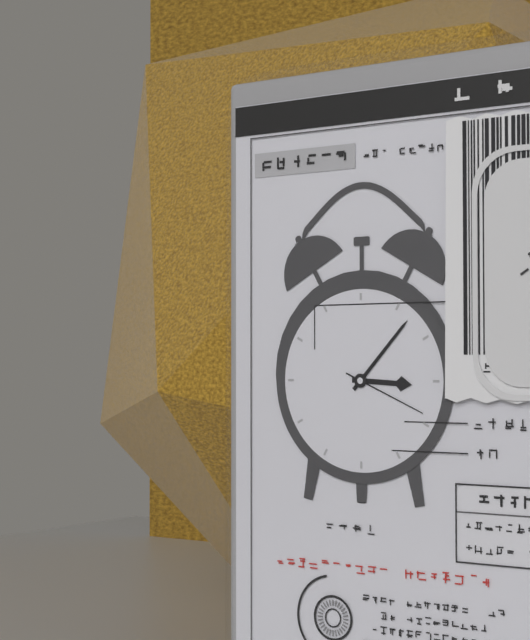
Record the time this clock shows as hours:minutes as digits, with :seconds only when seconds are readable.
3:07:19
